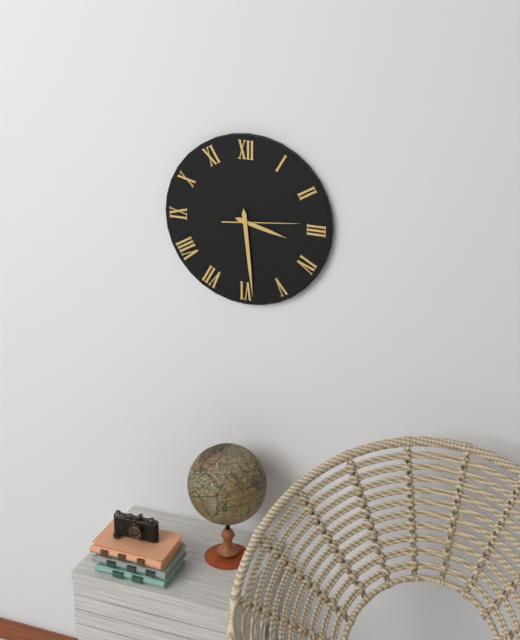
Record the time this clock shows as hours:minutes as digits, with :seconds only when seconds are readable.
3:29:14
